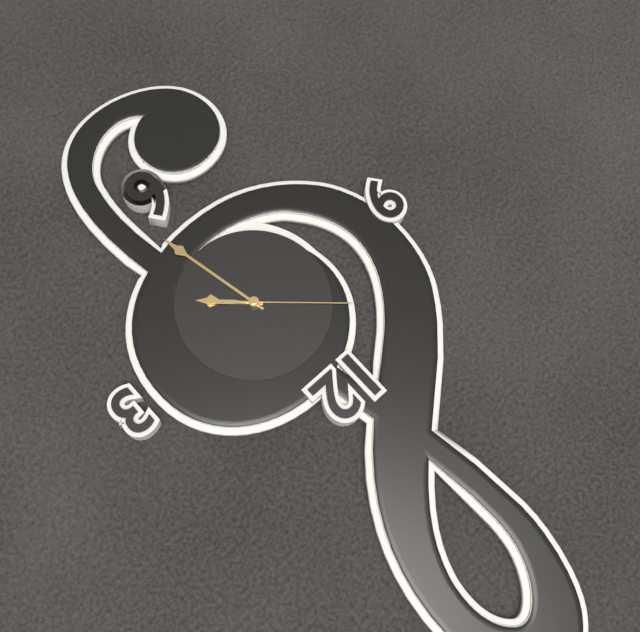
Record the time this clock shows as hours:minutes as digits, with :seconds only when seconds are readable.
4:28:52
